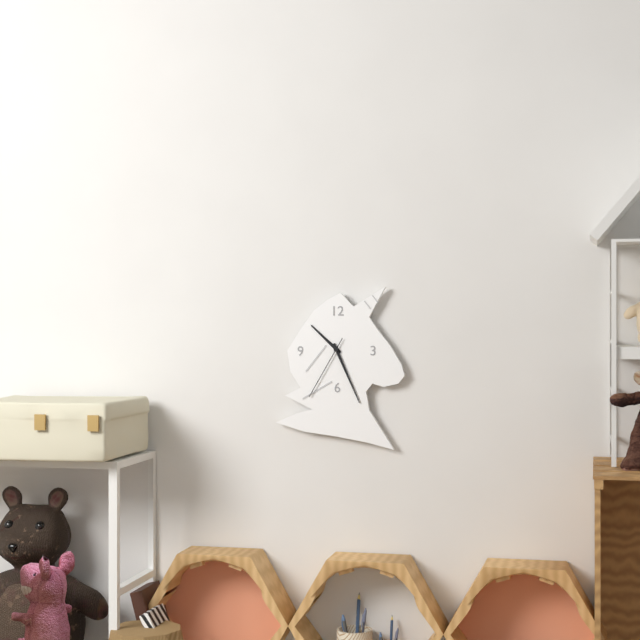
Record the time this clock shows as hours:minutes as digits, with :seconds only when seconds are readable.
10:26:35
